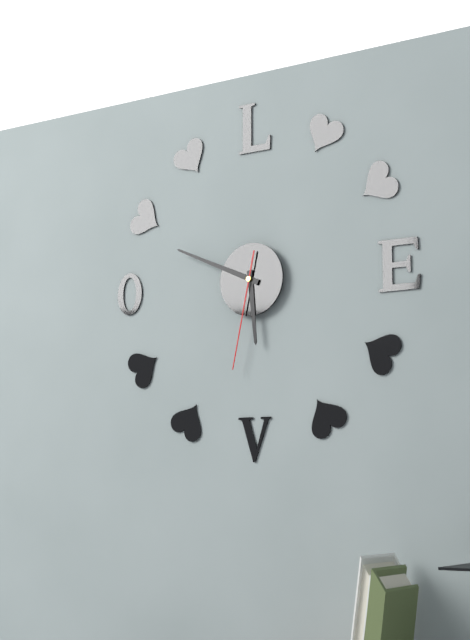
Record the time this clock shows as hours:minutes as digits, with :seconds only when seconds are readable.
5:49:32
